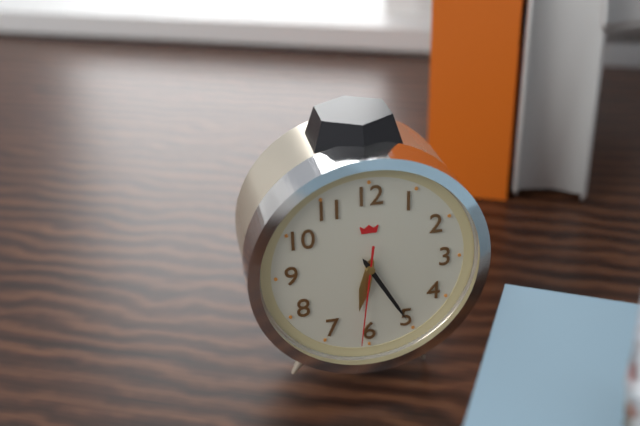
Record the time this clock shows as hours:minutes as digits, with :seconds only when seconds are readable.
6:25:31
